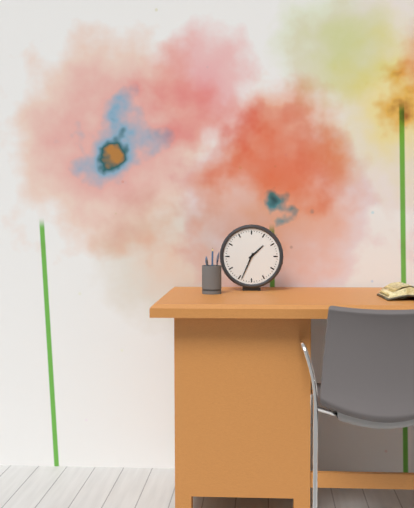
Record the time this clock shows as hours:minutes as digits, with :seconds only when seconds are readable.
1:34
